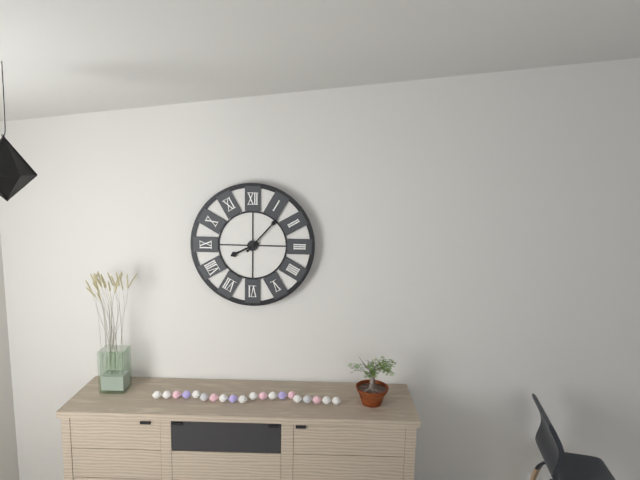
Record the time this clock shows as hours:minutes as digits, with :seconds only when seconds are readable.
8:07
